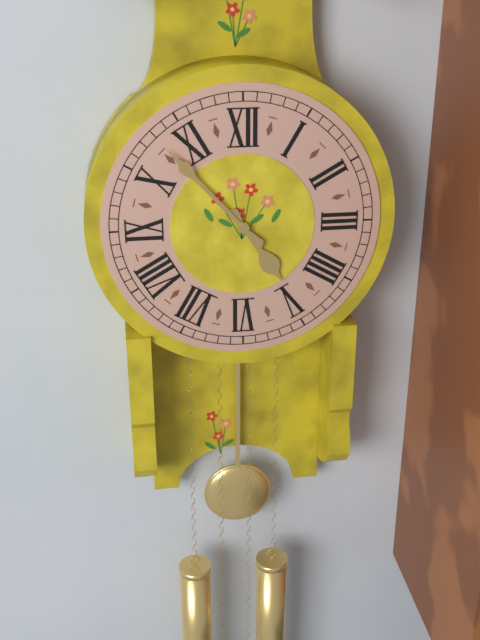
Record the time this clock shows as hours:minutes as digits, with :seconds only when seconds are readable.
4:53
